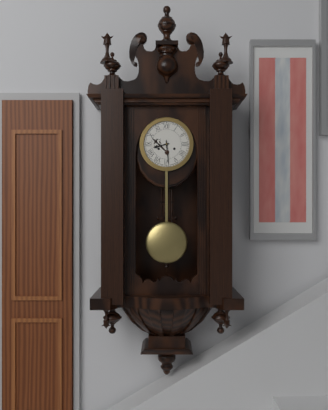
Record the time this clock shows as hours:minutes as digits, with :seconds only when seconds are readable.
8:29
